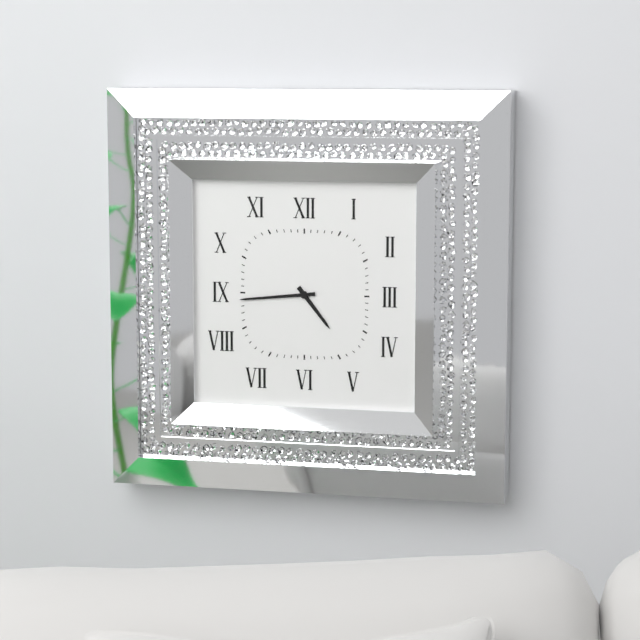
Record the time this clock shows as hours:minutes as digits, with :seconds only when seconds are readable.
4:44
